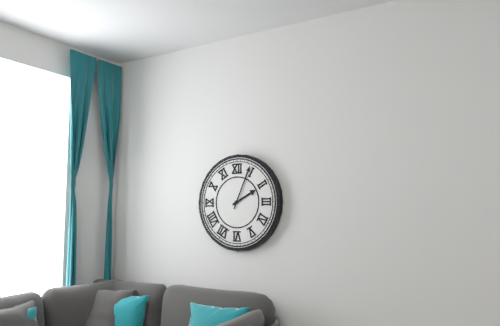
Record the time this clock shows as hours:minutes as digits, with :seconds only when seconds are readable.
2:04
